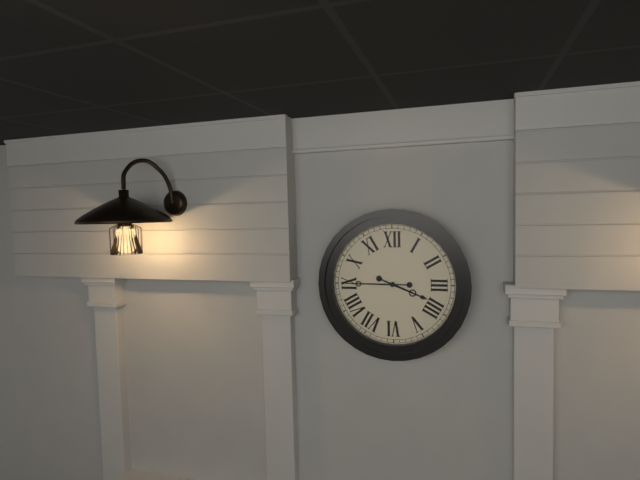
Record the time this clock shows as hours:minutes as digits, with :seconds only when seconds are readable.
3:45
